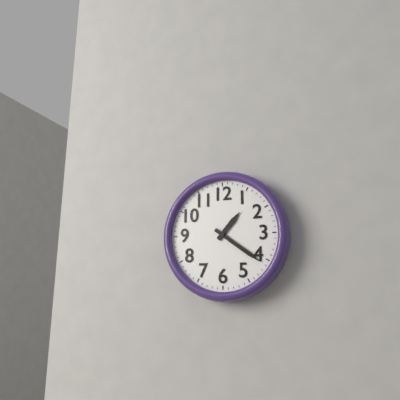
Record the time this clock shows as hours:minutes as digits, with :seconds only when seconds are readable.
1:21
